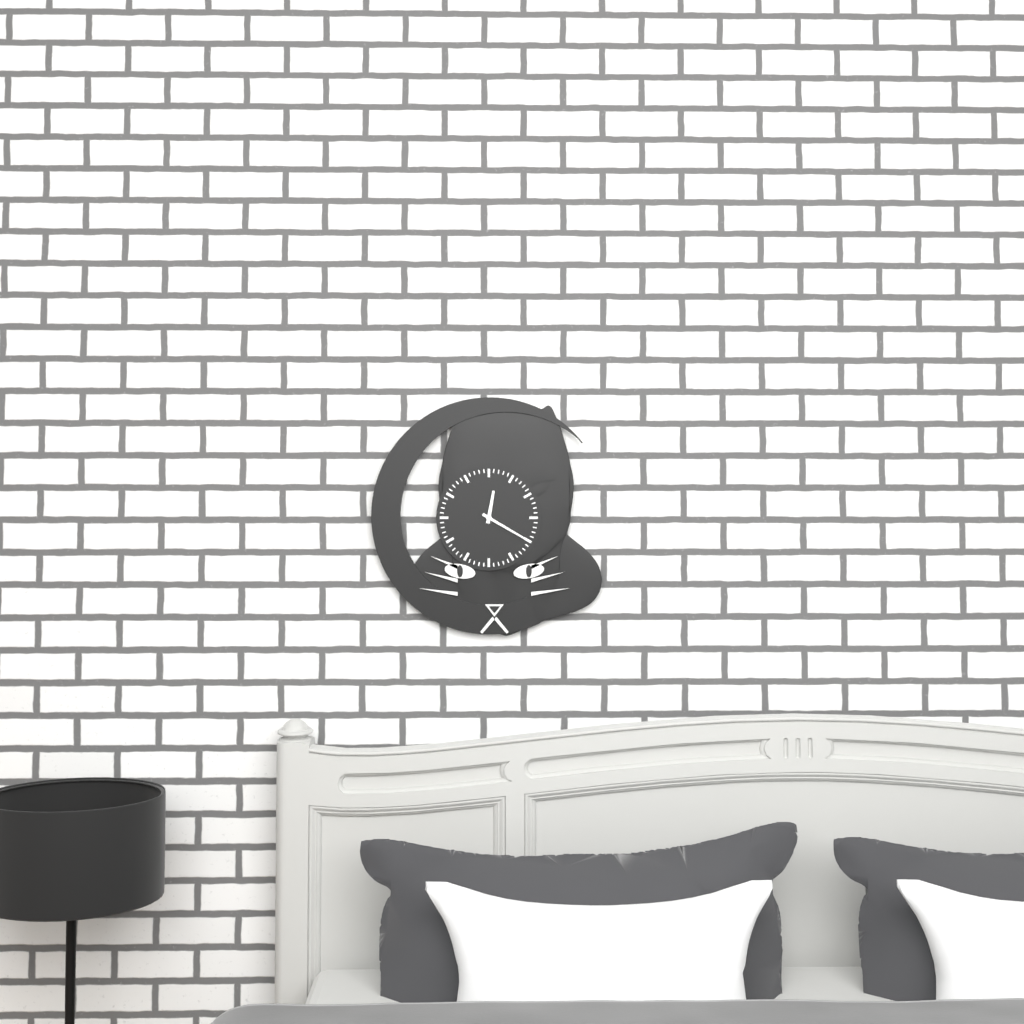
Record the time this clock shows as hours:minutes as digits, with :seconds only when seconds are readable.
12:20
